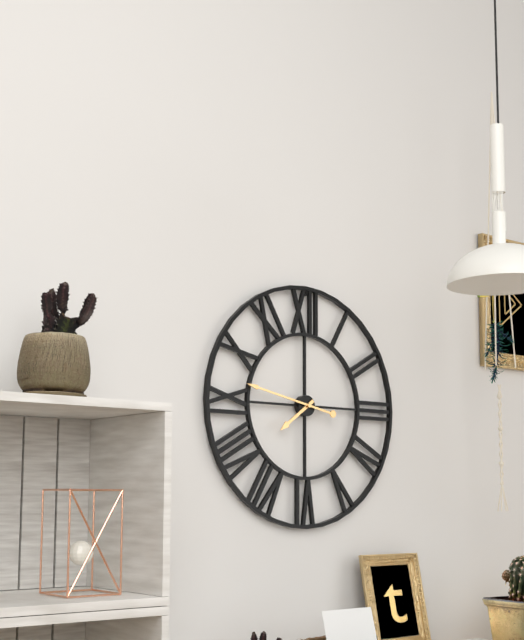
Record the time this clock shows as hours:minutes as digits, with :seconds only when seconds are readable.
7:47
